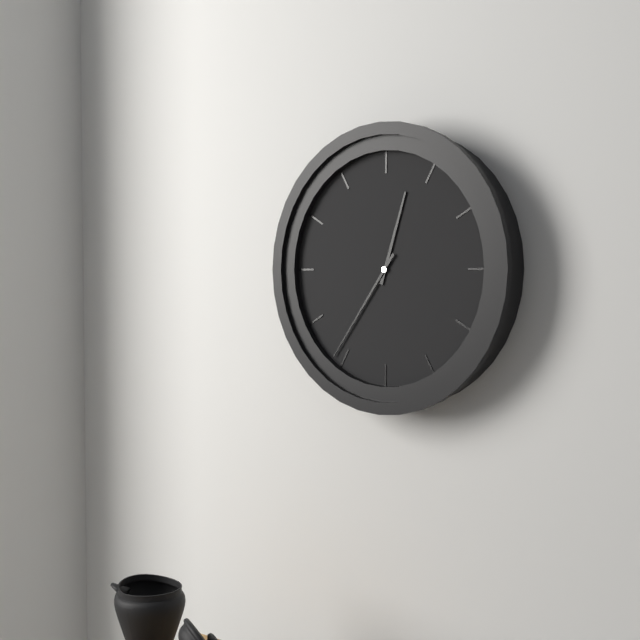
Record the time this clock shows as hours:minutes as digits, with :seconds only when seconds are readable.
12:36
